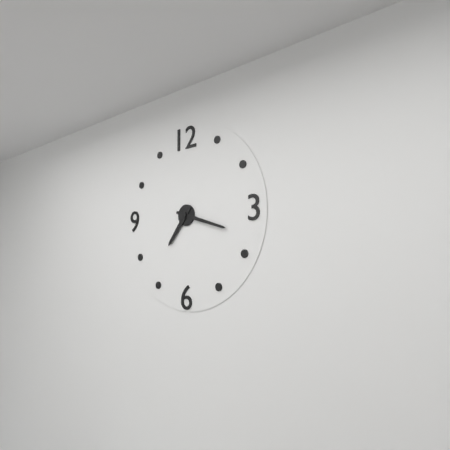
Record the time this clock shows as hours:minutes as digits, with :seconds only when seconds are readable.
7:18
